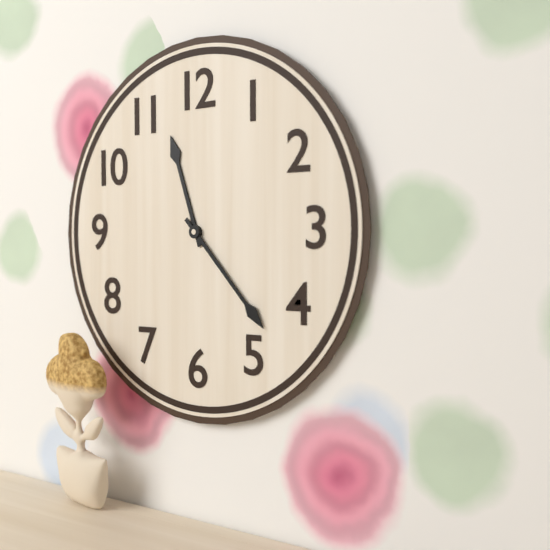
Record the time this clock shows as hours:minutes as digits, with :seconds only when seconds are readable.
11:23
